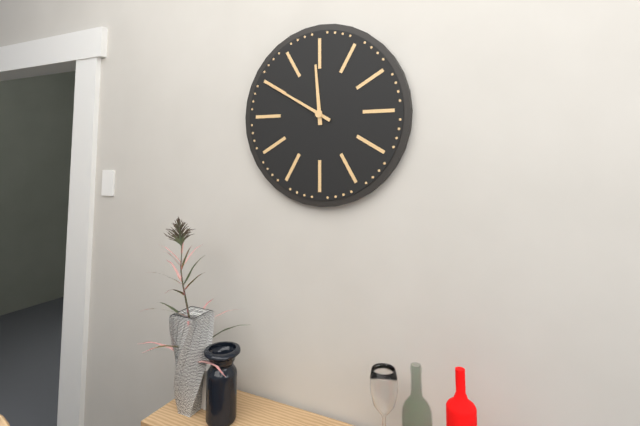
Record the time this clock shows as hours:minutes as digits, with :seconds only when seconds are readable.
11:50
